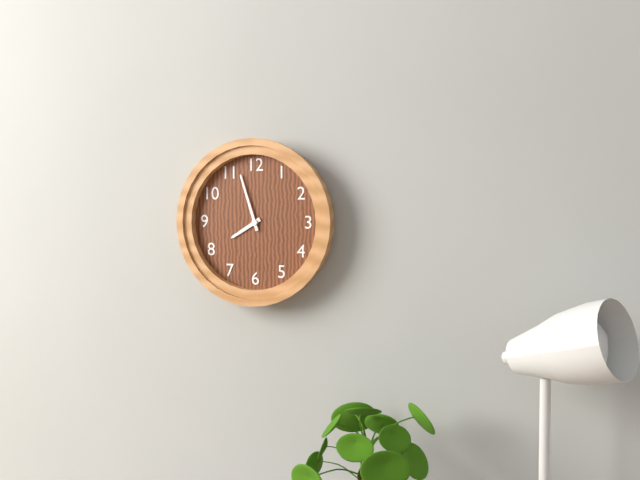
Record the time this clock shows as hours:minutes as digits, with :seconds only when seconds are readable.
7:57
